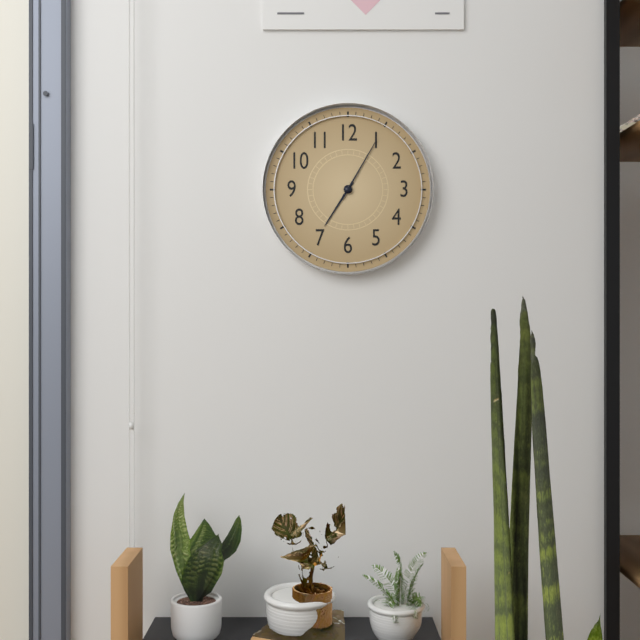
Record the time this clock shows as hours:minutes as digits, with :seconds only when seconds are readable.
7:05
